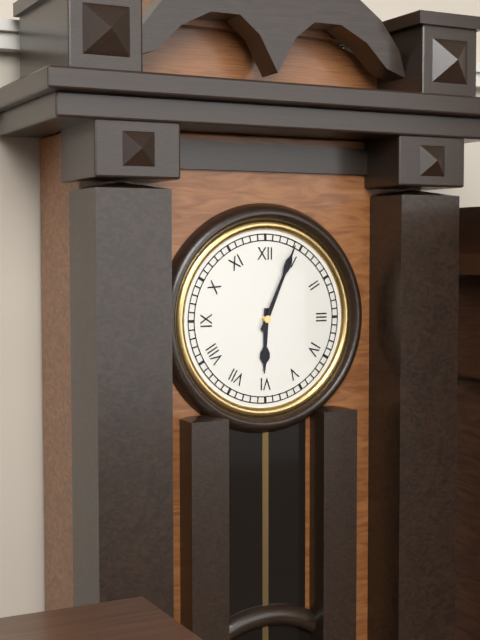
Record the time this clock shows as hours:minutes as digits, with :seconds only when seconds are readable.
6:04
